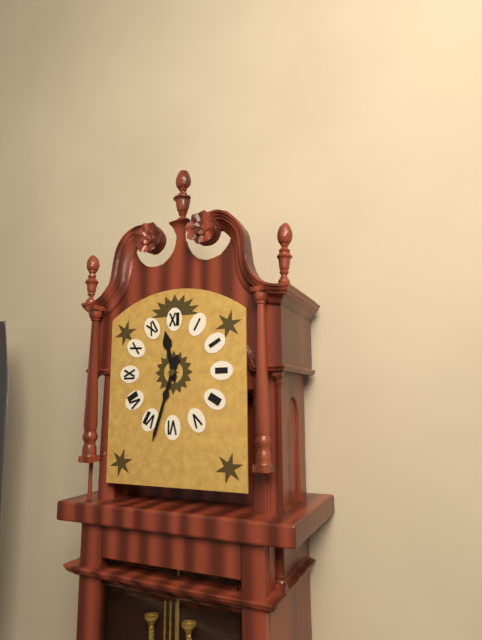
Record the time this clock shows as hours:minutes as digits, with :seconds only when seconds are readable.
11:33
